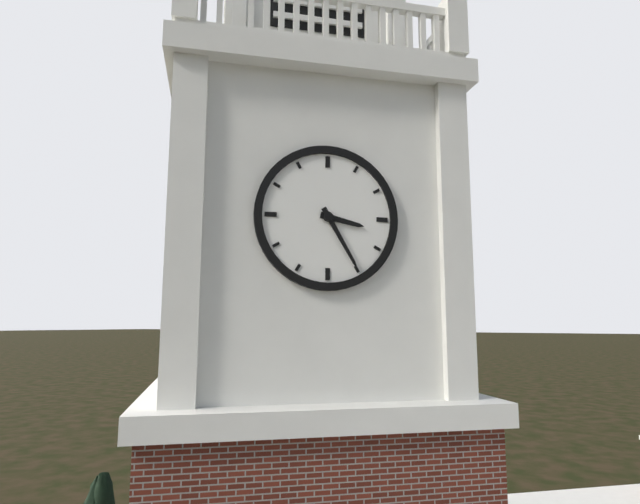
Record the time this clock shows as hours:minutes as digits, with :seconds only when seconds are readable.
3:25
